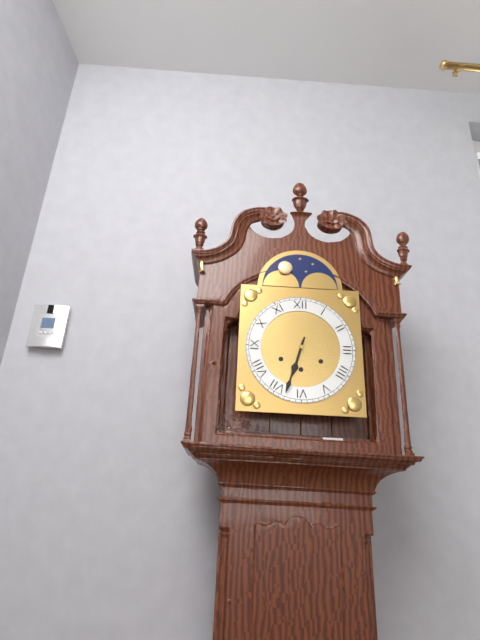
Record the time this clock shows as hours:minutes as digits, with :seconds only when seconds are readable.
6:33
